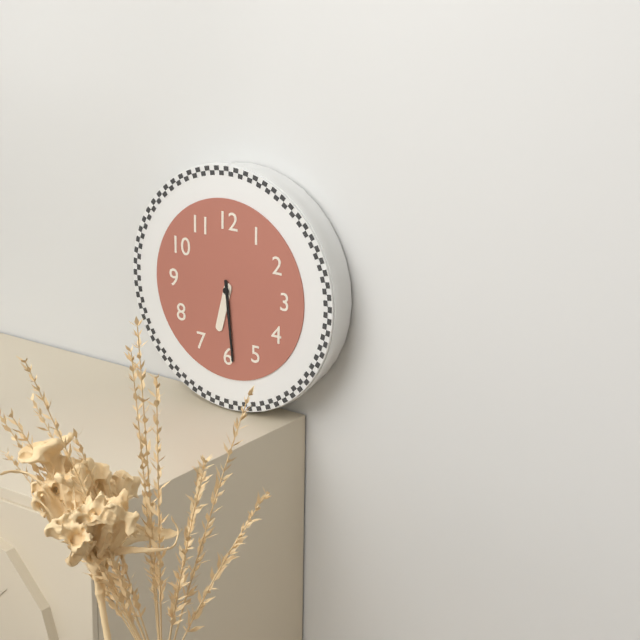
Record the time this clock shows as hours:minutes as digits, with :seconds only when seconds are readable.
6:29
